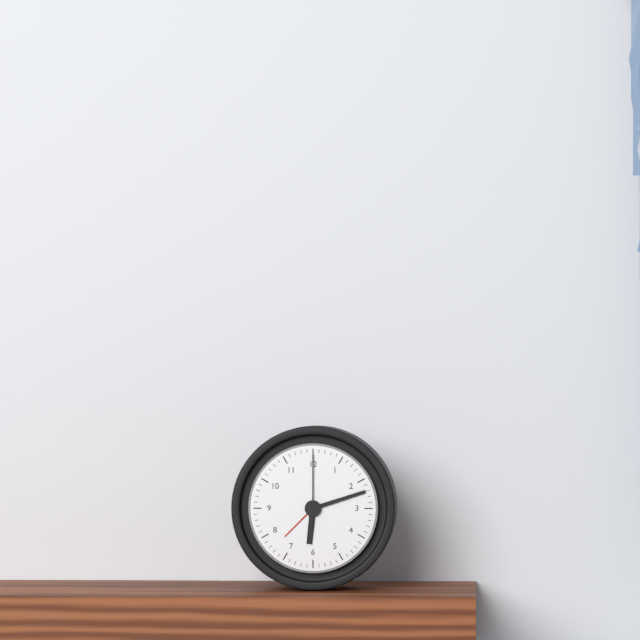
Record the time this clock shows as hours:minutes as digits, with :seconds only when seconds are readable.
6:12:00
